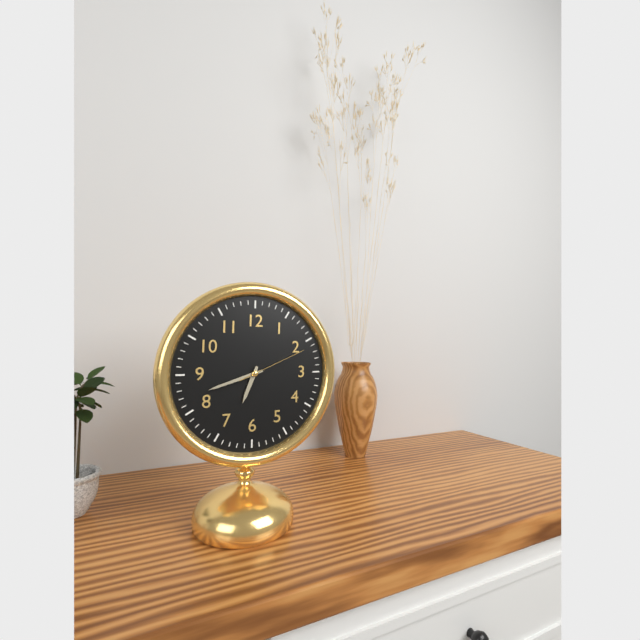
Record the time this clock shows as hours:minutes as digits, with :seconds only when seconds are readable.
6:42:11
